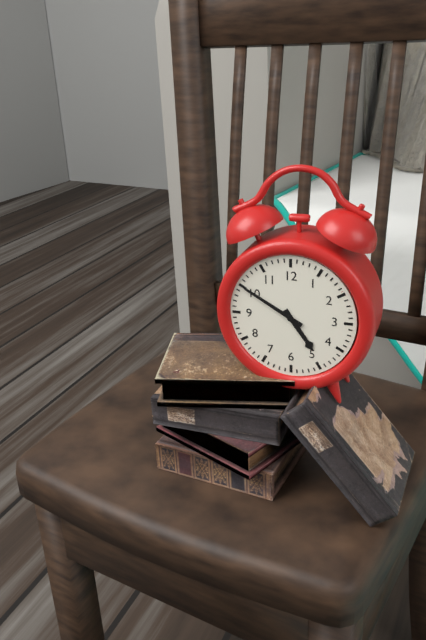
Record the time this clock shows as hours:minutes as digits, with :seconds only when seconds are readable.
4:50
